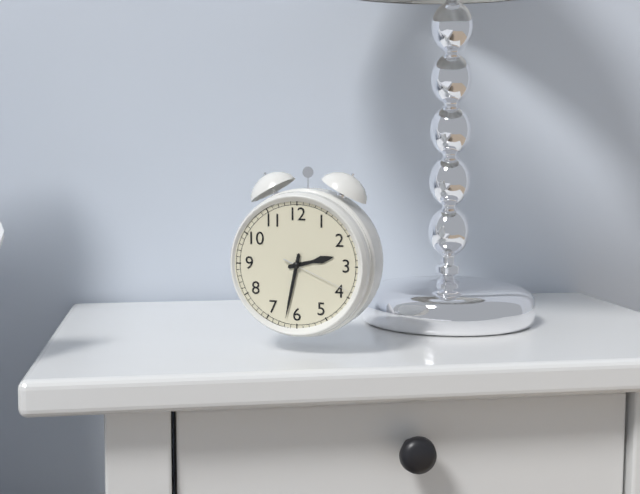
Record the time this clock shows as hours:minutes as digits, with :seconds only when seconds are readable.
2:32:19
